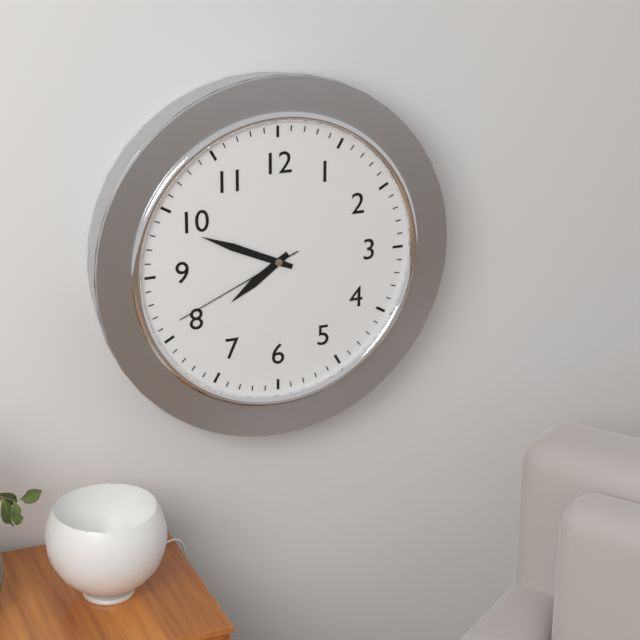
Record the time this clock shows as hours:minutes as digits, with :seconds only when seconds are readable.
7:49:41
